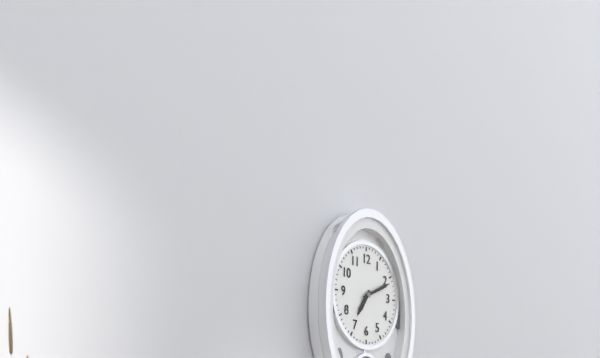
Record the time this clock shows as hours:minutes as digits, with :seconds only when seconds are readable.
7:11
